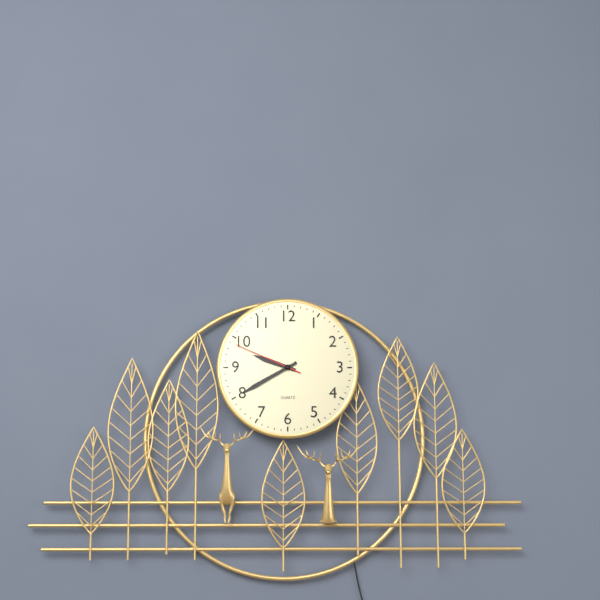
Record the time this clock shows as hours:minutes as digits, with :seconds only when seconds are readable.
9:40:49
